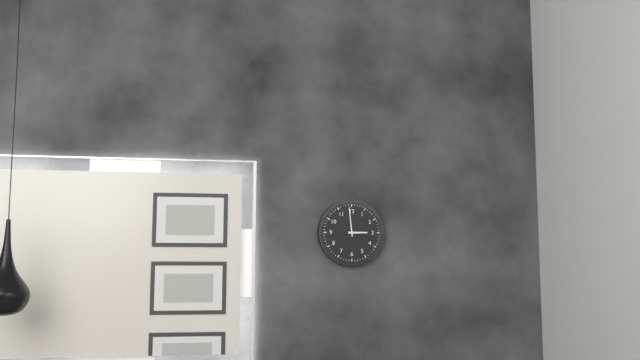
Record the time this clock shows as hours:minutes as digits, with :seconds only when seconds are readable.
2:59
